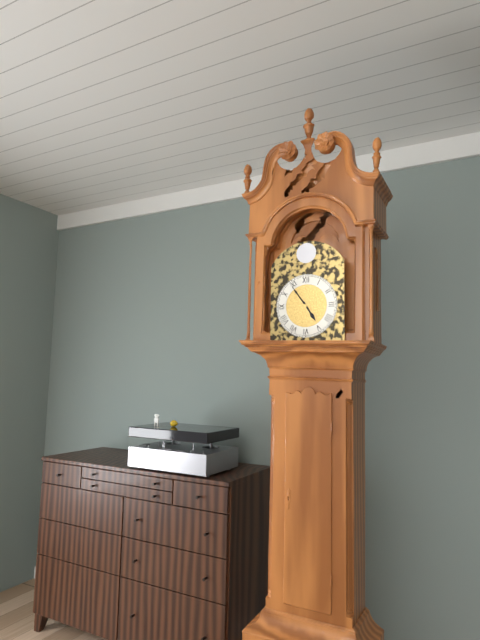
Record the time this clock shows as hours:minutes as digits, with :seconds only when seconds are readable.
4:54
